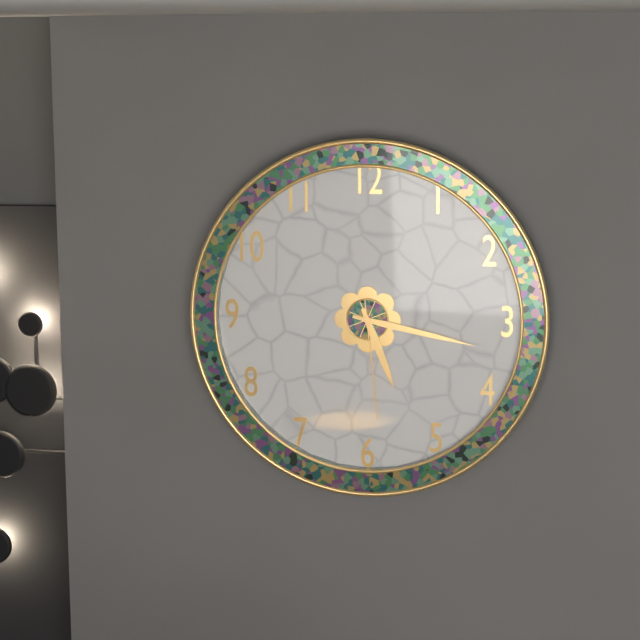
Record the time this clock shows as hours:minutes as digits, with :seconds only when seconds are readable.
5:17:29
